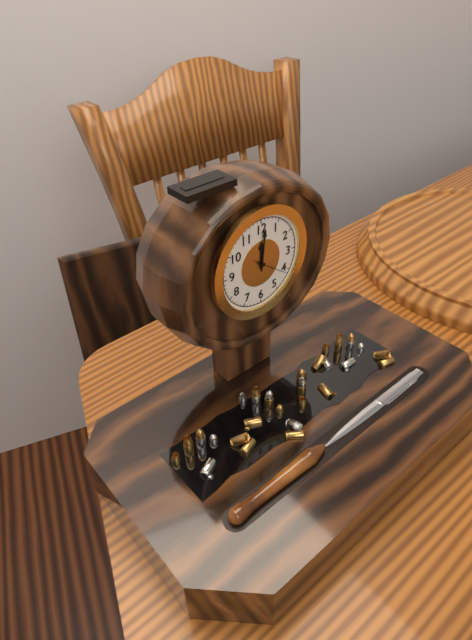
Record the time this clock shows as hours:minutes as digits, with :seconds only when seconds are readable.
12:01
